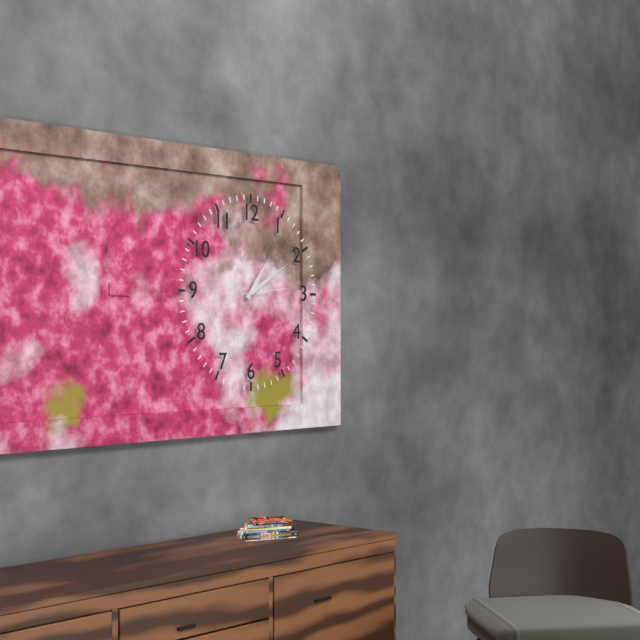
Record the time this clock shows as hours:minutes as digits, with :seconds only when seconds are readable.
1:10
